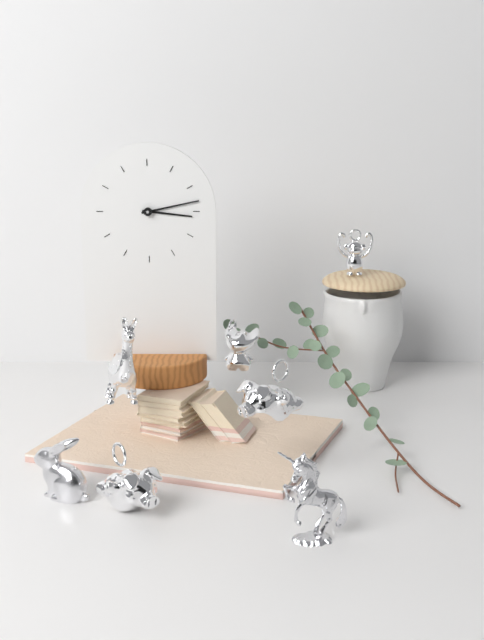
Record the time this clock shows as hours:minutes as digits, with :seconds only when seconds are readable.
3:13
